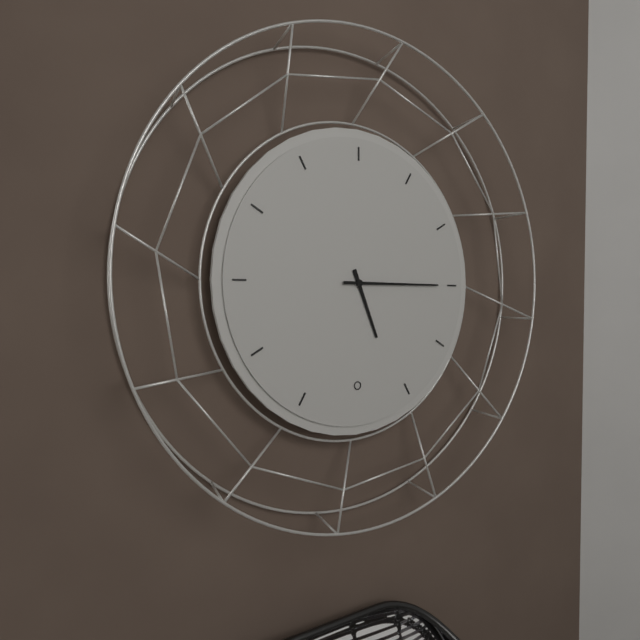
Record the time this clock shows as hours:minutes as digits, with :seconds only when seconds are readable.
5:15
